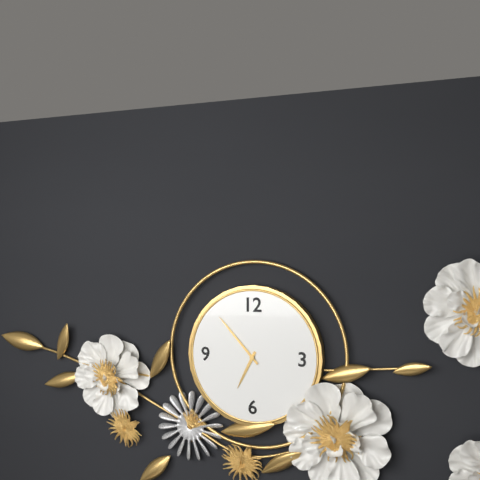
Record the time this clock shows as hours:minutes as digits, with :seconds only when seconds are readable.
6:53
